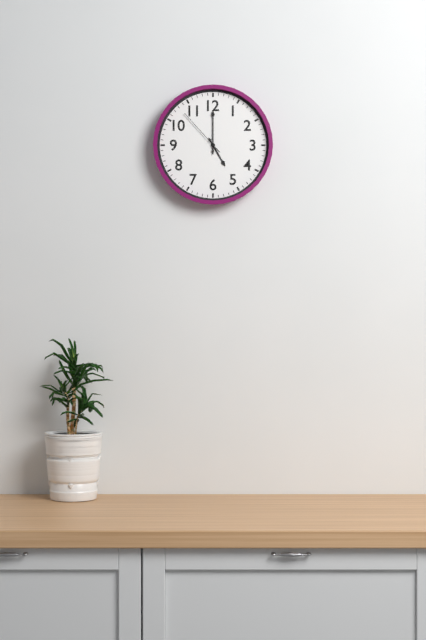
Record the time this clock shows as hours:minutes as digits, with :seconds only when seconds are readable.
5:00:53
